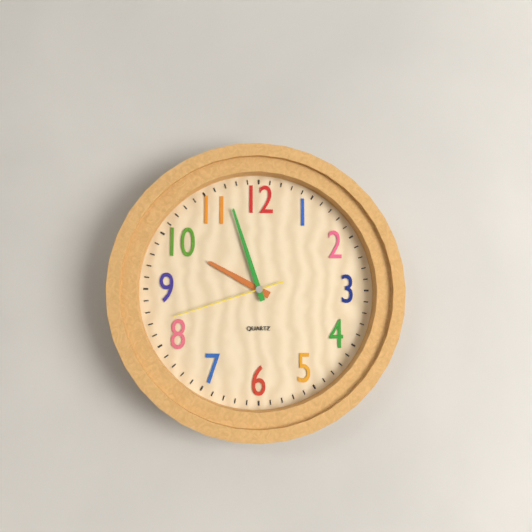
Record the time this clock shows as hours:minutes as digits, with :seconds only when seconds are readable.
9:57:42
